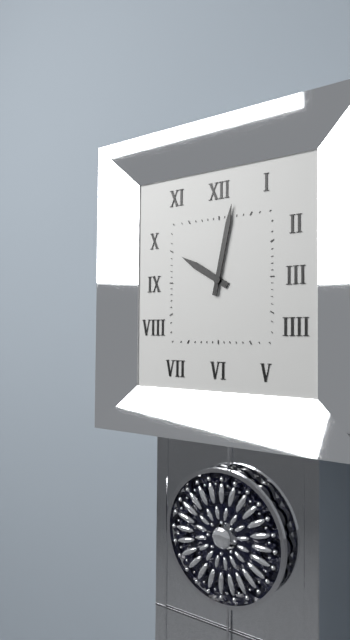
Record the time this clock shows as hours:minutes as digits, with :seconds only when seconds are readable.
10:02
